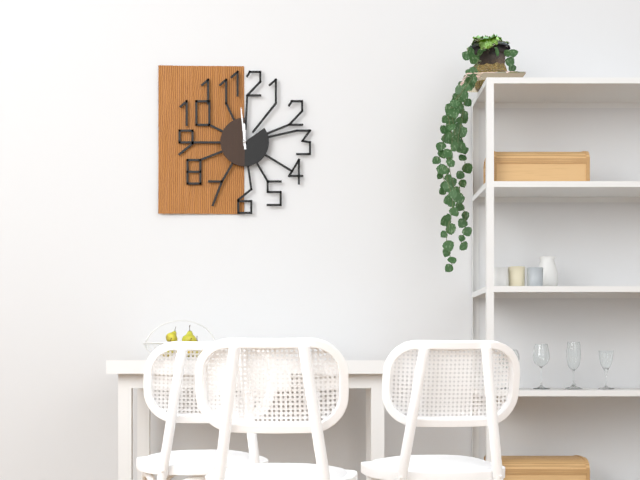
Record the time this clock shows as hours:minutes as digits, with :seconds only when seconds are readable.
11:59
